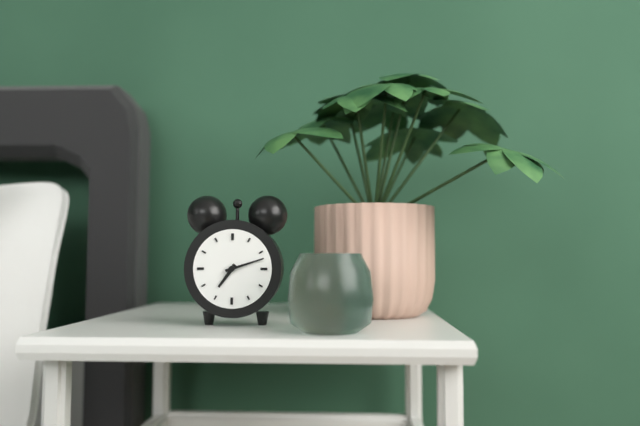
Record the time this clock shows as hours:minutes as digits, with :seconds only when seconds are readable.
7:12
